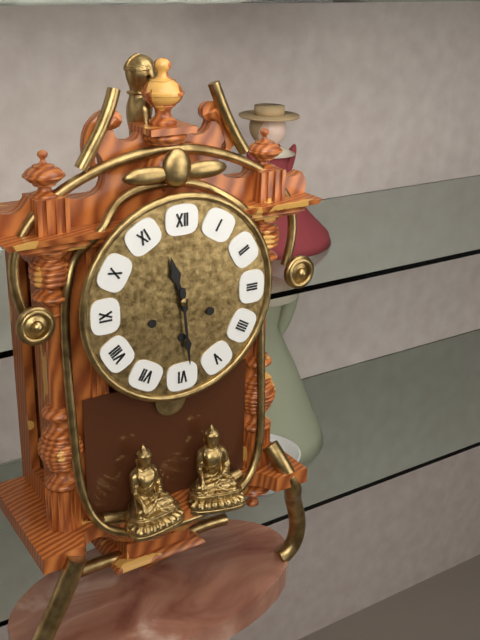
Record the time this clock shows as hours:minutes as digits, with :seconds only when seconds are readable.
11:29
